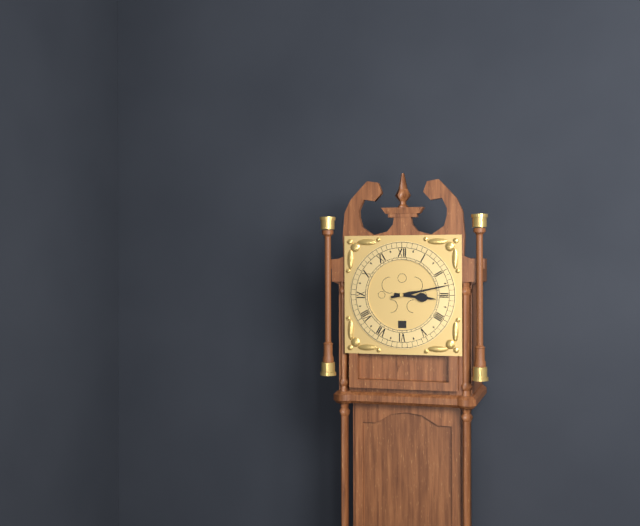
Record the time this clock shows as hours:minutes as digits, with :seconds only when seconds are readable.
3:13
